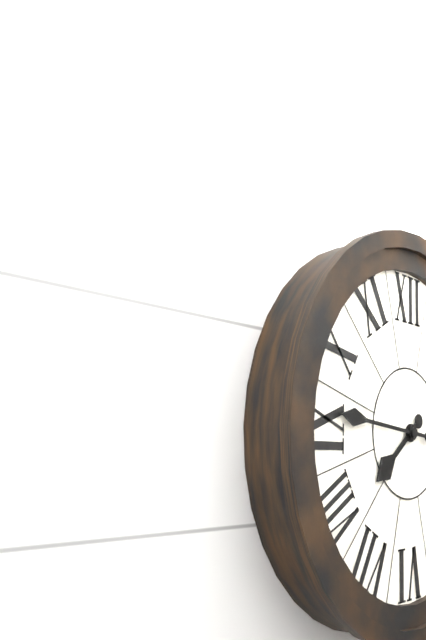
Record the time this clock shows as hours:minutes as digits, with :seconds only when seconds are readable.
7:46
